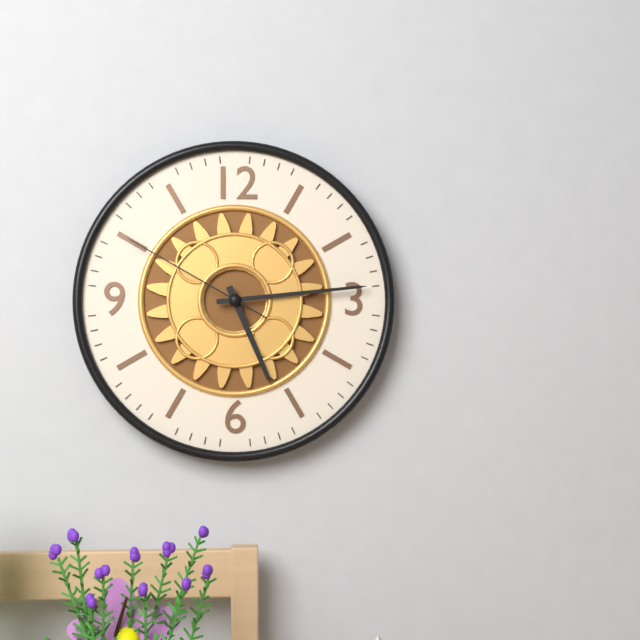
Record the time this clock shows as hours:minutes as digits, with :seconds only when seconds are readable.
5:14:50
